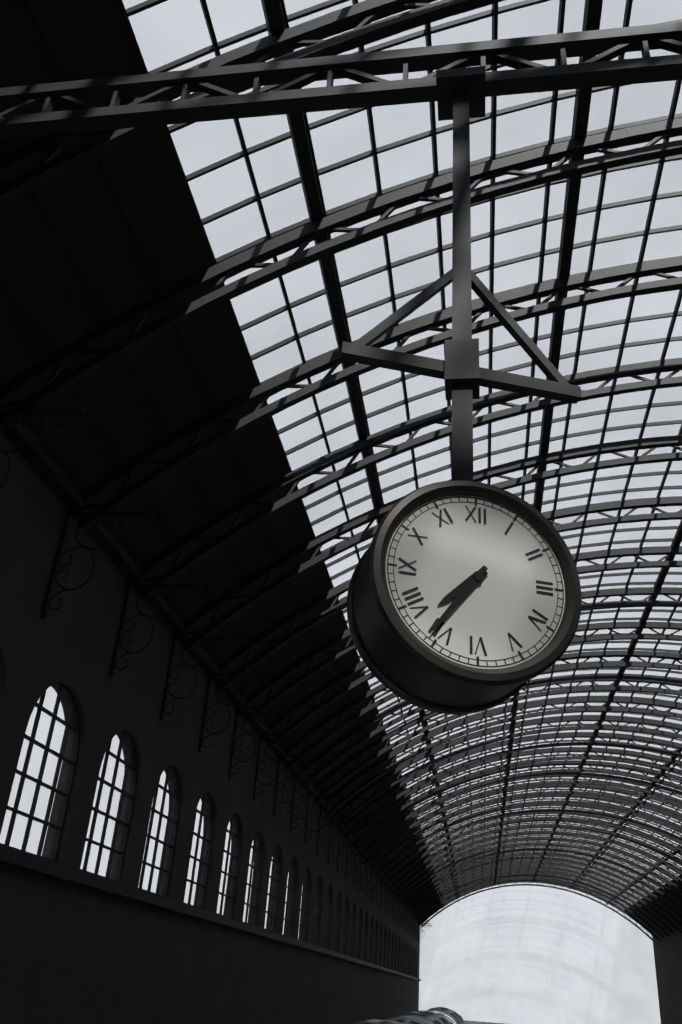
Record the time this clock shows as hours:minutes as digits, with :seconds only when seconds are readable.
7:36
